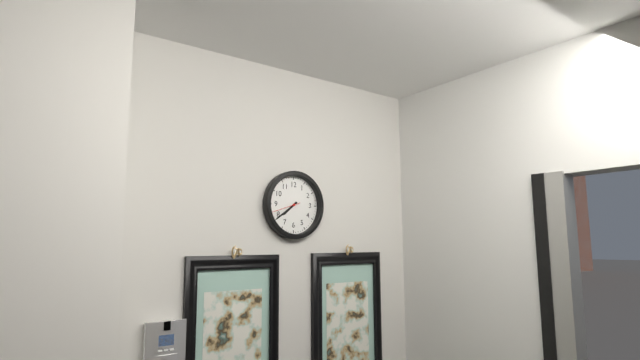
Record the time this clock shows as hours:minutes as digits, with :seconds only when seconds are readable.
7:39
